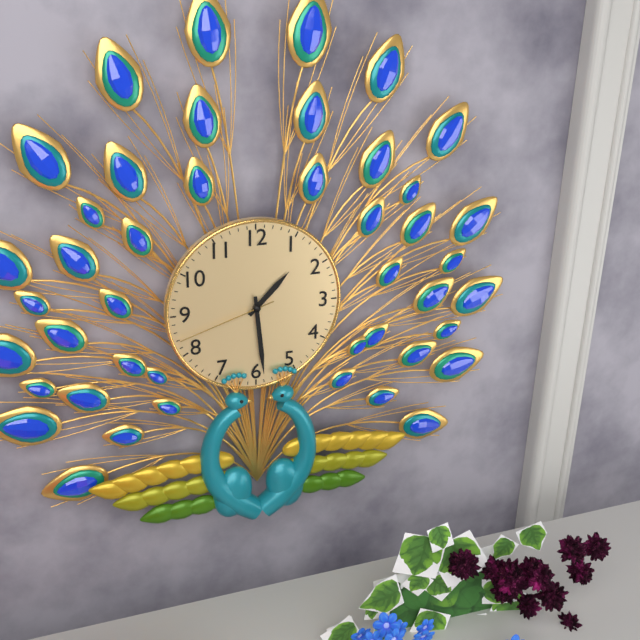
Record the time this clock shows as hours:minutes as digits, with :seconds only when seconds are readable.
1:29:42
